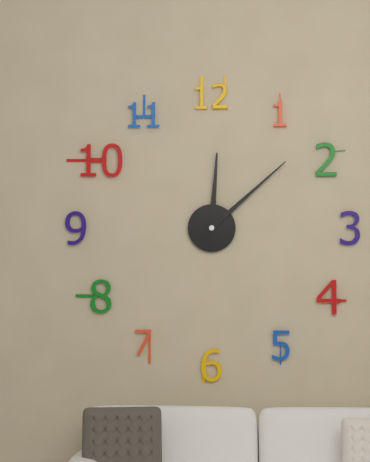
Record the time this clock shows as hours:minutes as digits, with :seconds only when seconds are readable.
12:08
